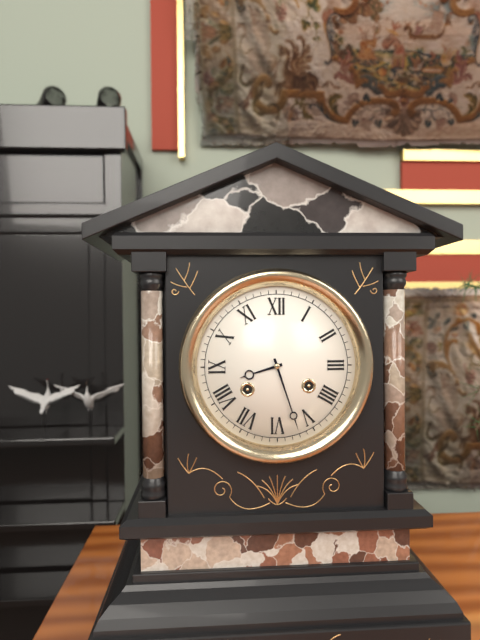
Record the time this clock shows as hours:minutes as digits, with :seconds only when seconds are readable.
8:27
